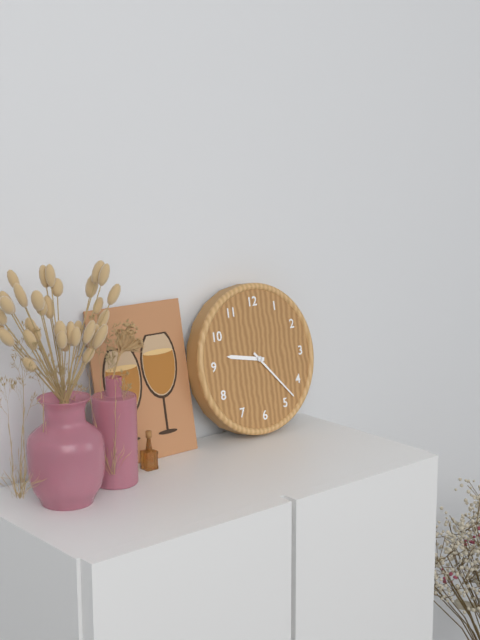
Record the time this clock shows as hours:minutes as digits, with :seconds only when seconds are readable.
9:23
